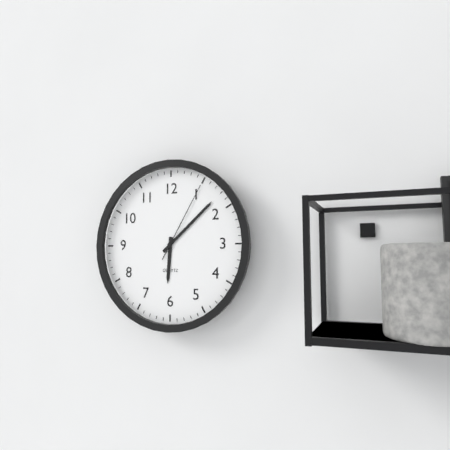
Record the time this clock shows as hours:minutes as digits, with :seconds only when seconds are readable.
6:08:05
